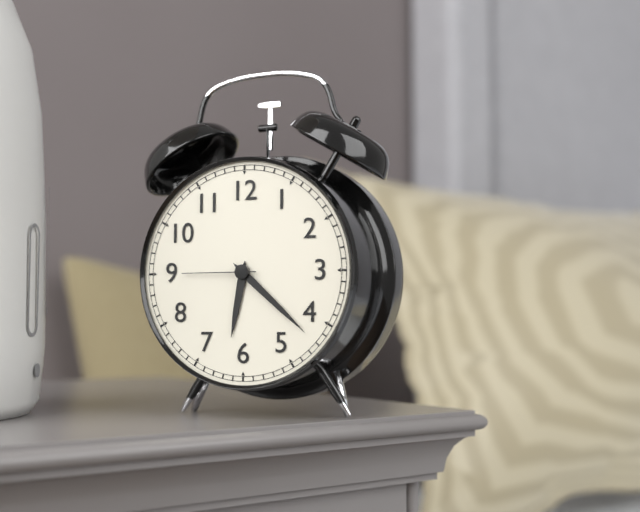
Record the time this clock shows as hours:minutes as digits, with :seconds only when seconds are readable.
6:22:45
